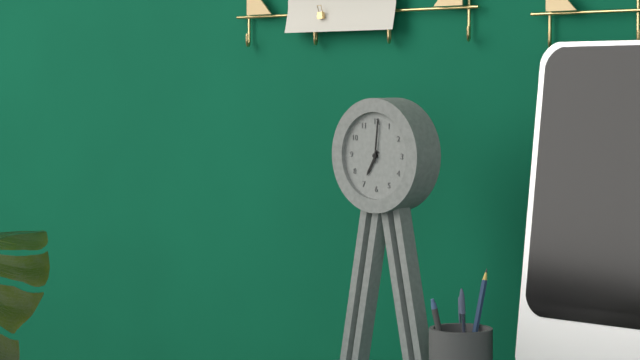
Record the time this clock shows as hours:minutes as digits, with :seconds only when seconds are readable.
7:01
